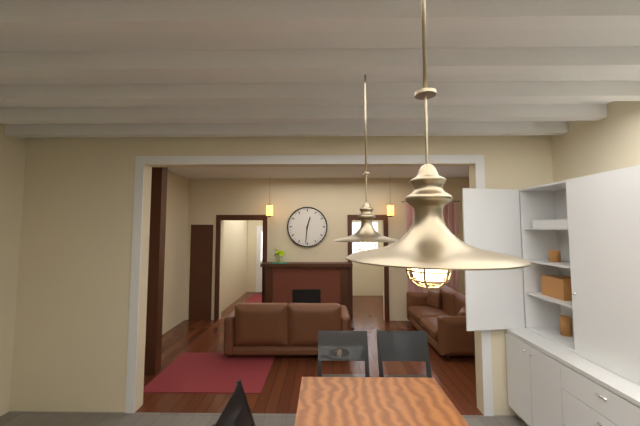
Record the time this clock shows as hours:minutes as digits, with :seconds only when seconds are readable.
12:31
